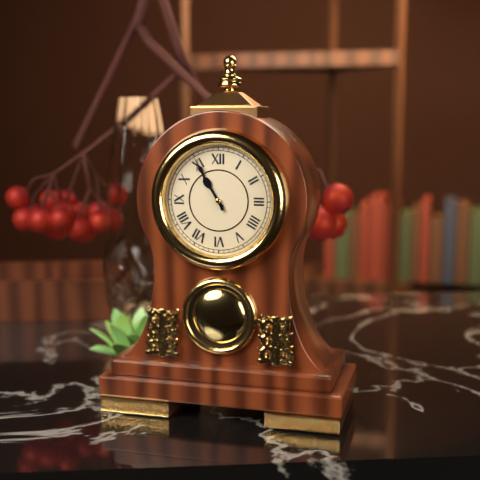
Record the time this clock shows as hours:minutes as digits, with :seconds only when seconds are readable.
10:55
